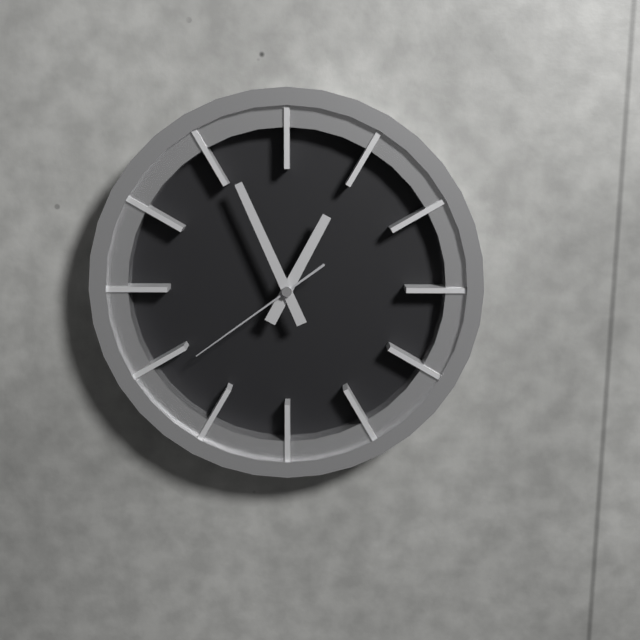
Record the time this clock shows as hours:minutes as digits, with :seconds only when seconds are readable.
12:56:39
